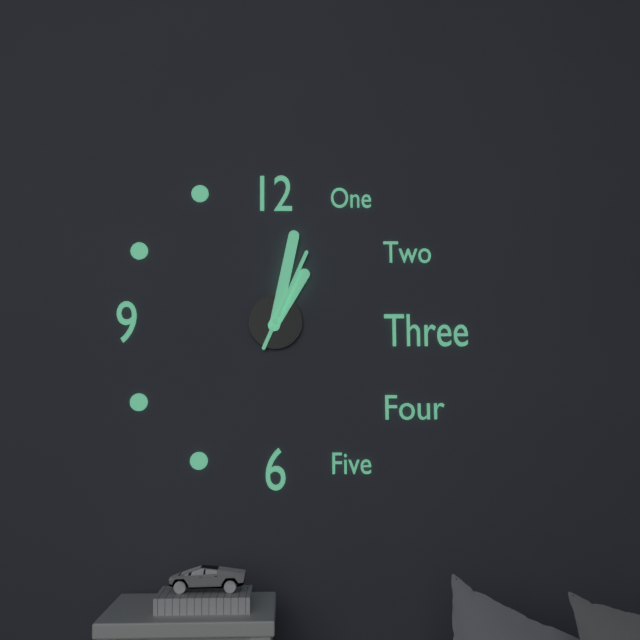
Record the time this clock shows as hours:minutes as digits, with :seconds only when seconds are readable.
1:02:04
